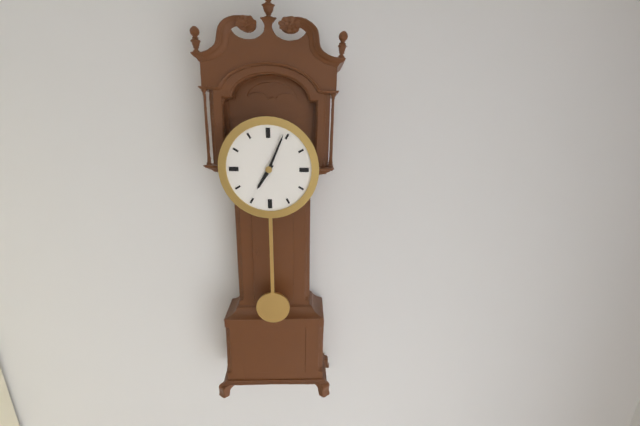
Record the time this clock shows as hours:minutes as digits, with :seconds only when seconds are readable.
7:04
